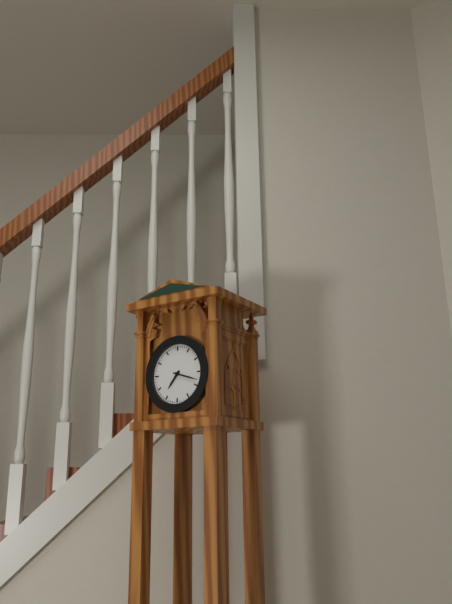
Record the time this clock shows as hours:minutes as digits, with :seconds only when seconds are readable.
7:18
